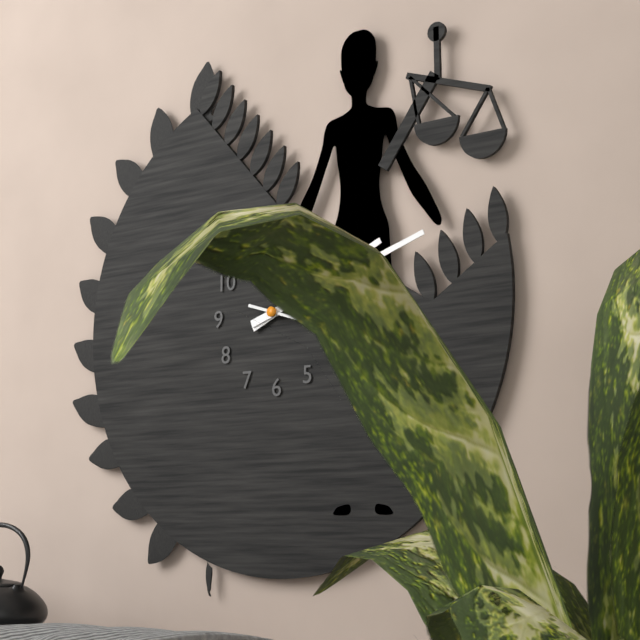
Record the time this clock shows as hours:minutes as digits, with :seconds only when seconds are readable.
2:12:18
